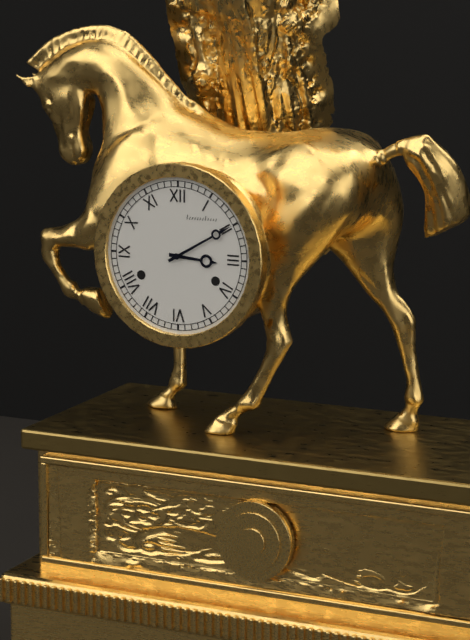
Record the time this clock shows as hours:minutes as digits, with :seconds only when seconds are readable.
3:10
